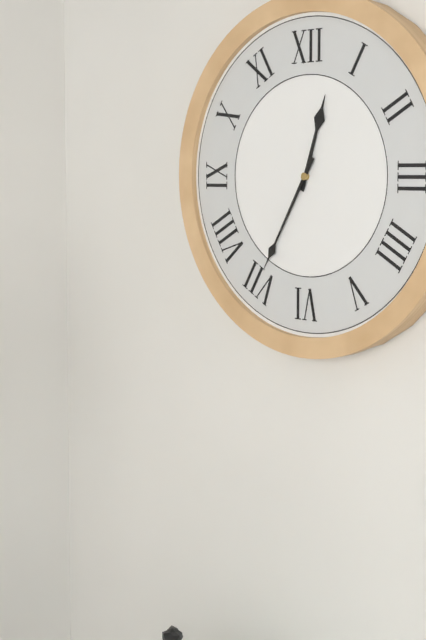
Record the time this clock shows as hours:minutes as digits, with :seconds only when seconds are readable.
12:35
